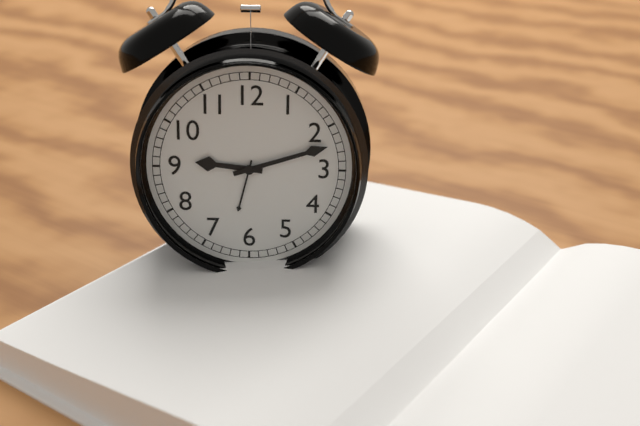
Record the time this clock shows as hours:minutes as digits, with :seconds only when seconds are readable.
9:12
